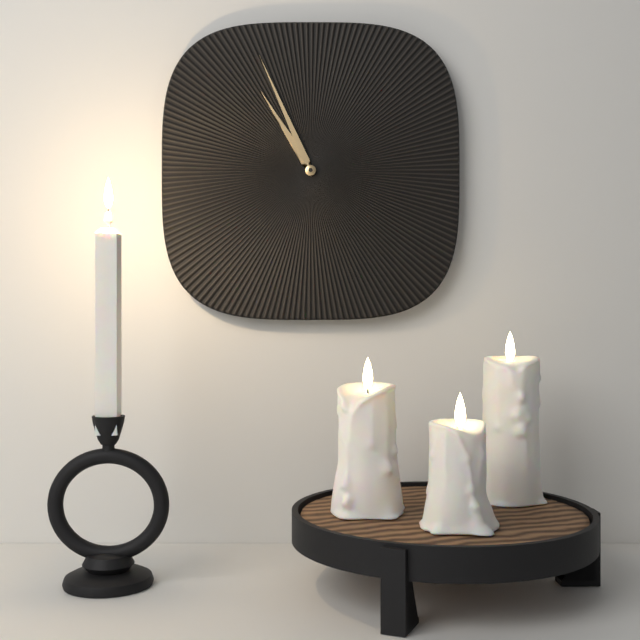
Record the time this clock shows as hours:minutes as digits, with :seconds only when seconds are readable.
10:56
